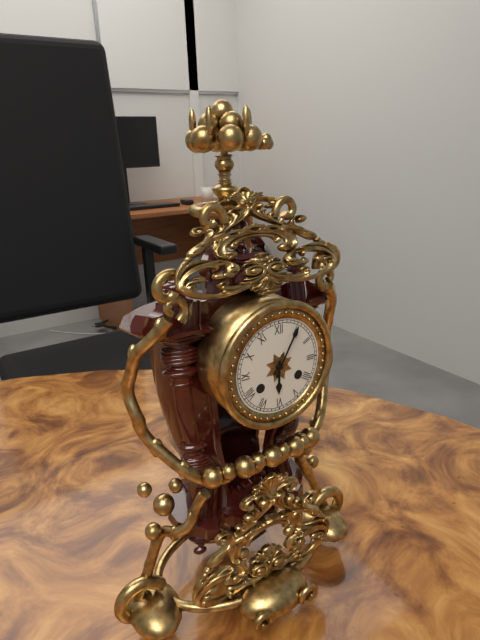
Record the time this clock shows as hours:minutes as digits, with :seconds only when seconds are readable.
6:05
